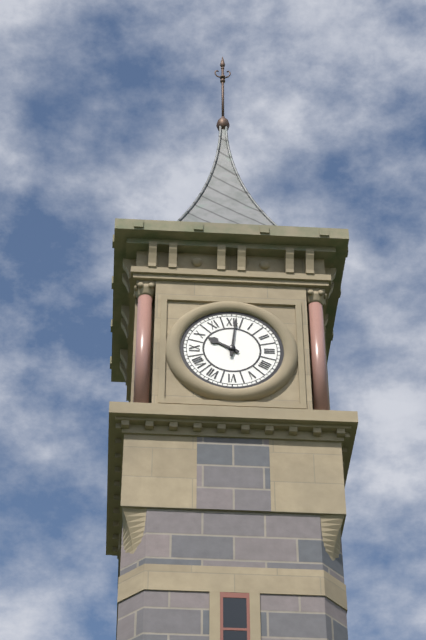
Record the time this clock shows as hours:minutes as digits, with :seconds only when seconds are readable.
10:01
